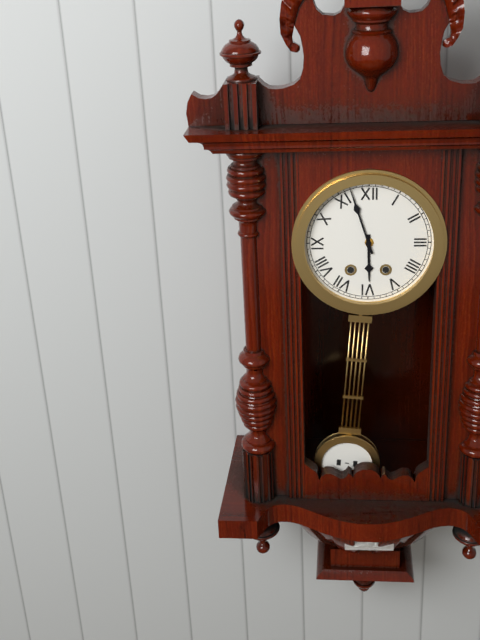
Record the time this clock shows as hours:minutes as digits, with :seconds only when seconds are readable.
5:57
